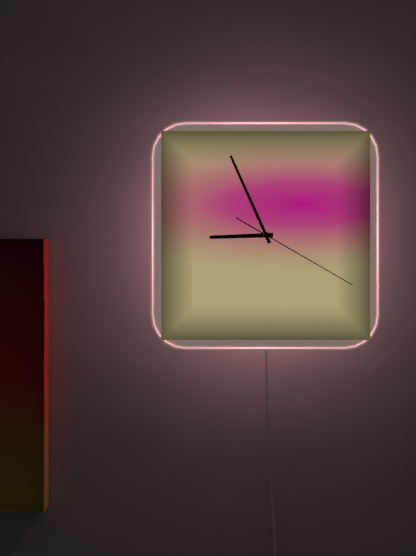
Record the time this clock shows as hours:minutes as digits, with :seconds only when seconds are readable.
8:56:20
